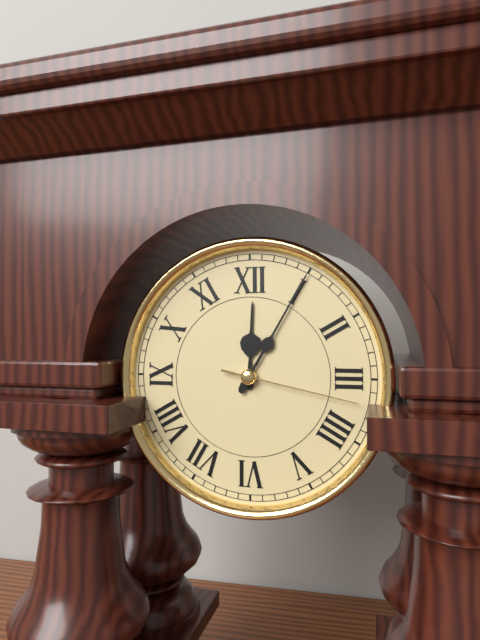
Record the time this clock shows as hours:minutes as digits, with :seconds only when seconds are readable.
12:05:17
